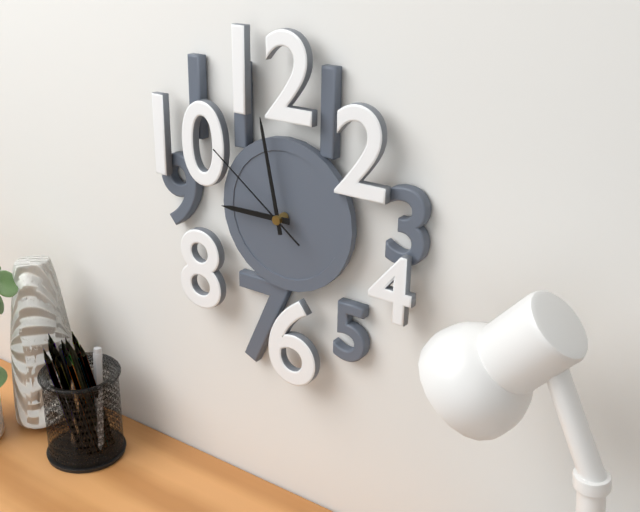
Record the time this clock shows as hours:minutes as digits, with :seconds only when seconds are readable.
8:58:51
